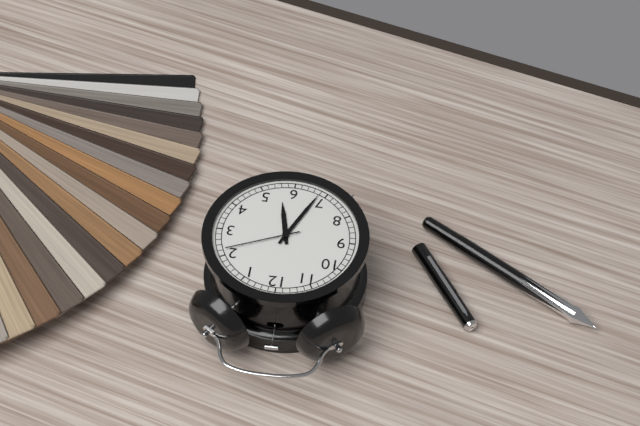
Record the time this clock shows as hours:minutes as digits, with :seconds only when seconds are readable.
5:34:11
